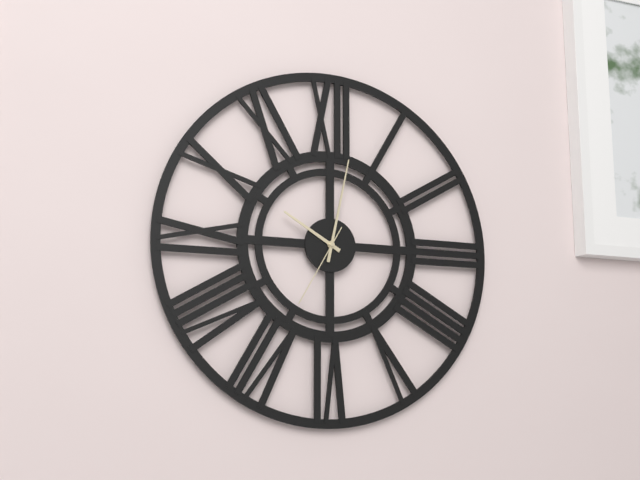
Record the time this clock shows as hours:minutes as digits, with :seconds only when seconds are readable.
10:02:35
